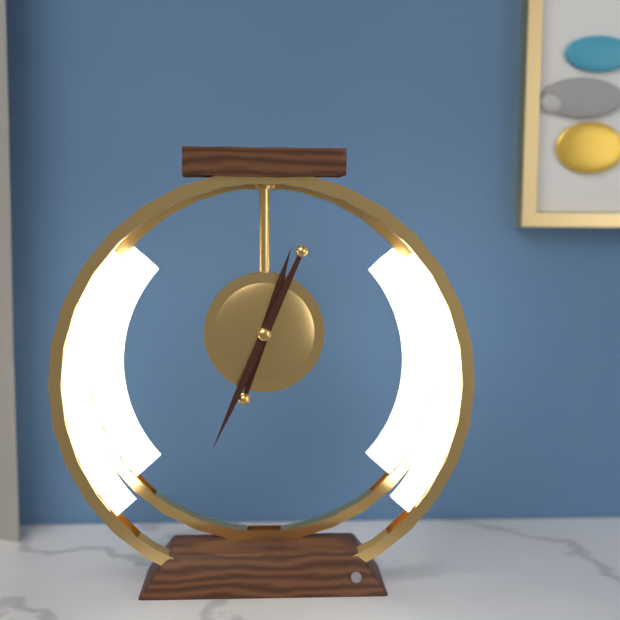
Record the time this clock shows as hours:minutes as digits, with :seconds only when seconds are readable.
12:34
